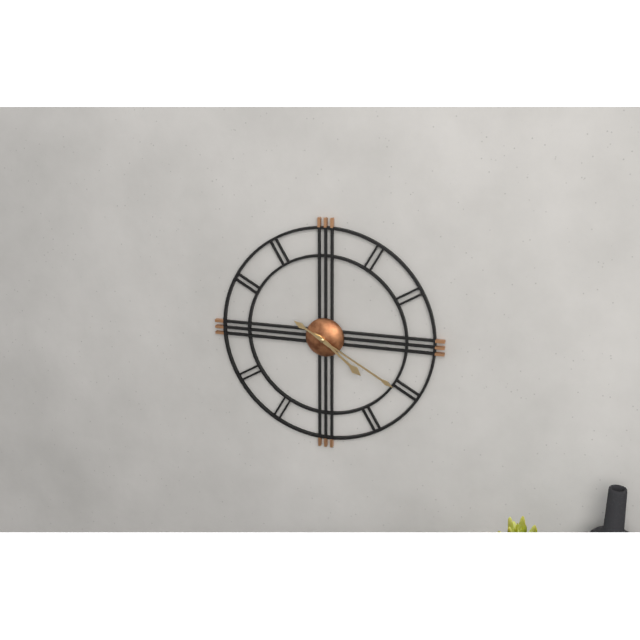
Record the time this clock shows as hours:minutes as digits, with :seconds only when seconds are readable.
4:20
